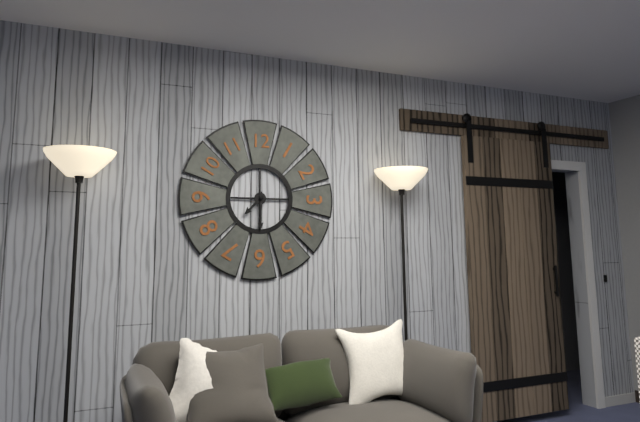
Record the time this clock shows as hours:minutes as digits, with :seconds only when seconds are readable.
7:30
